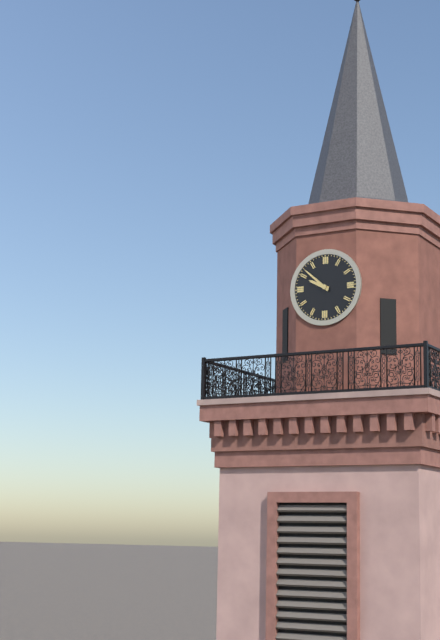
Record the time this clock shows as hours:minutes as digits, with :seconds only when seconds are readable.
9:52
